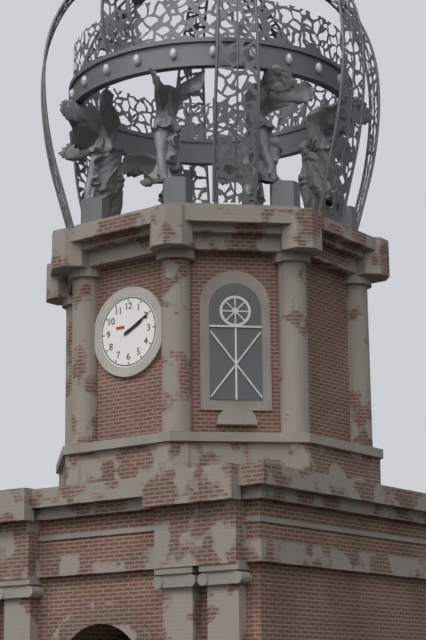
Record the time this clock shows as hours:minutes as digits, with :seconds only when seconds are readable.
2:10
